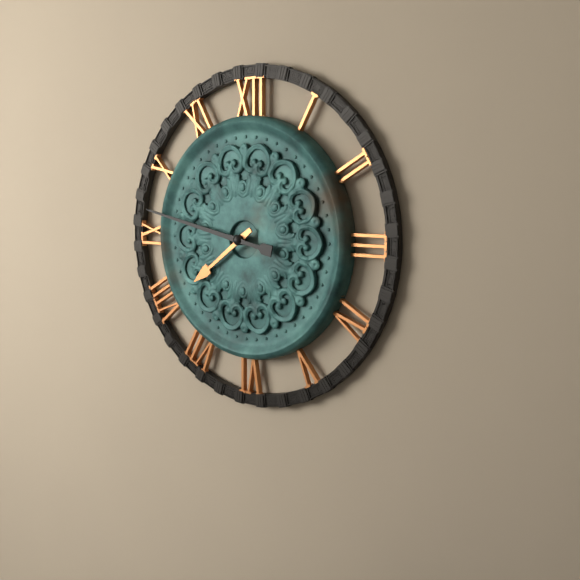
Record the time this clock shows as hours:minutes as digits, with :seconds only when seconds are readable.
7:47
